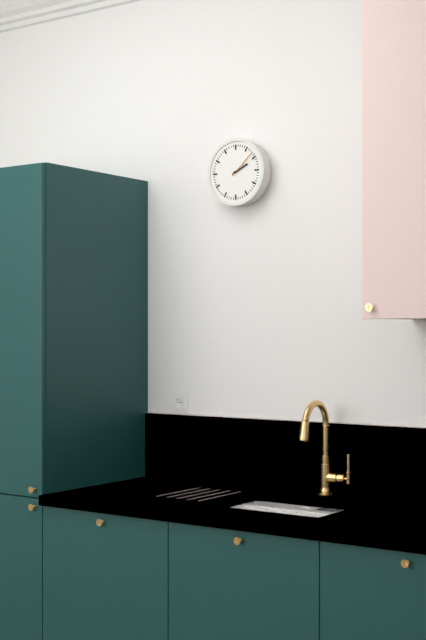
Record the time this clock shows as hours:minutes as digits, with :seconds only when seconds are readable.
2:08
